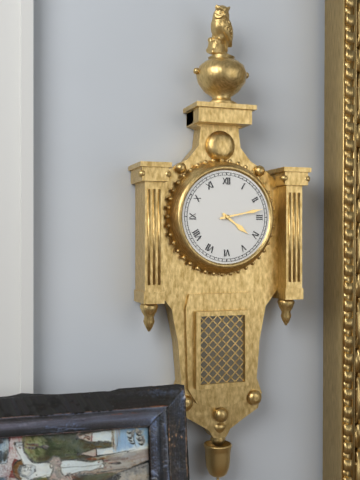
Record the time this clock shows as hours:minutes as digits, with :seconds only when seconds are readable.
4:13
